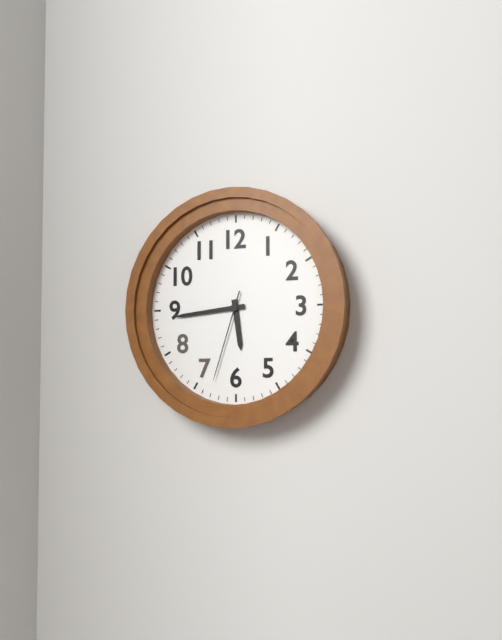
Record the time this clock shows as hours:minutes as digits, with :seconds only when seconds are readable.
5:44:33
